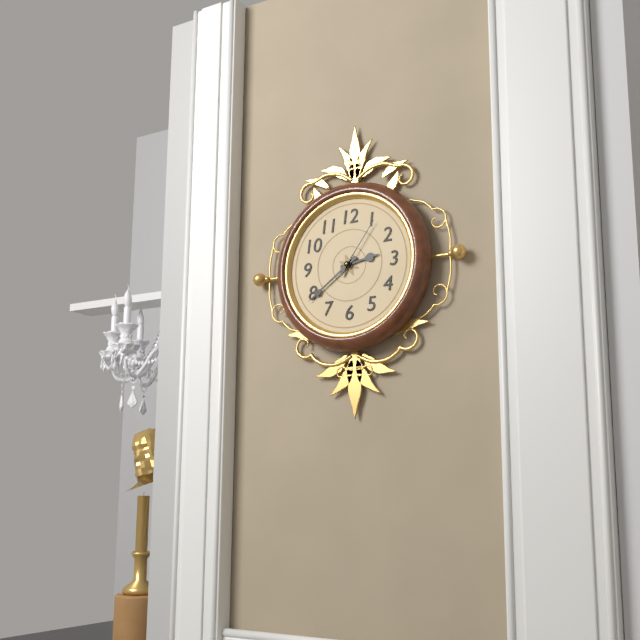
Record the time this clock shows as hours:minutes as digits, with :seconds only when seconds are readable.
2:39:06
